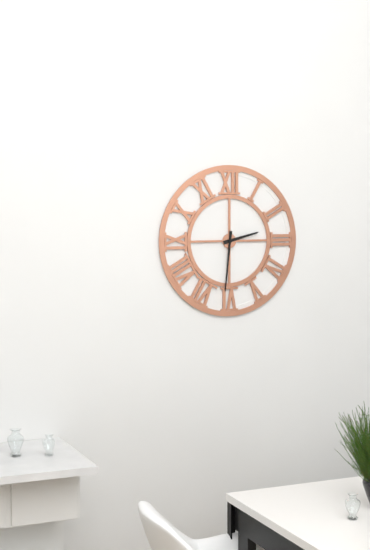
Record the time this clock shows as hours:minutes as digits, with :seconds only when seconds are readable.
2:31
